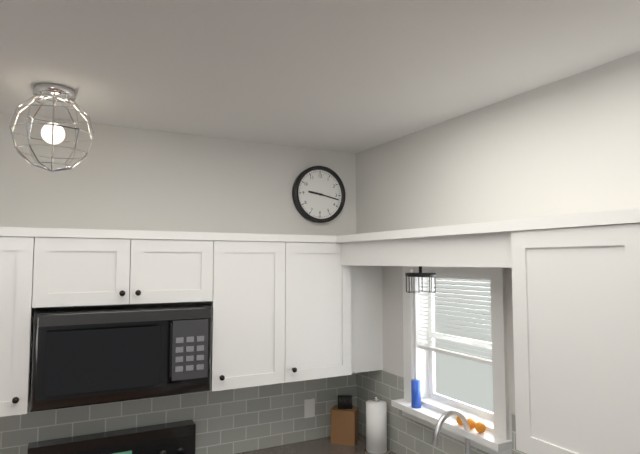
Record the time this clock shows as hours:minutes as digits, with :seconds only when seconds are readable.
9:17
